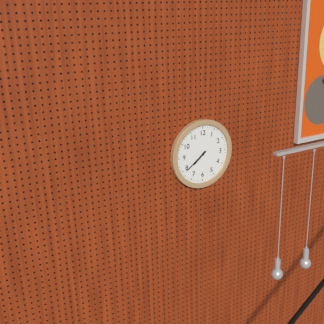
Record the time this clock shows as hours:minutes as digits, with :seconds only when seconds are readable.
7:39
